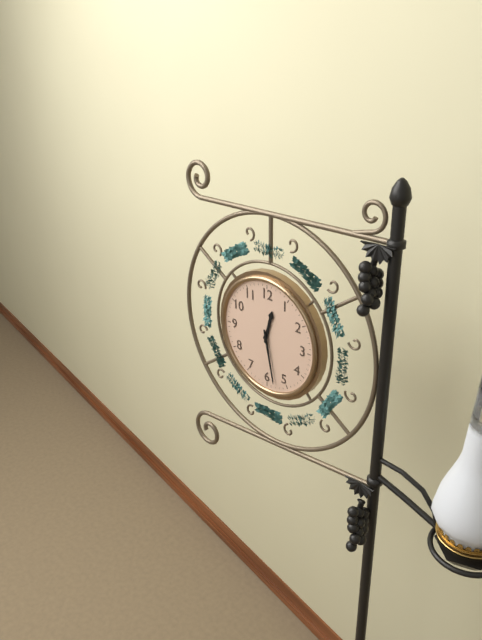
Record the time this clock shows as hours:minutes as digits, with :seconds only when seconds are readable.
12:28
